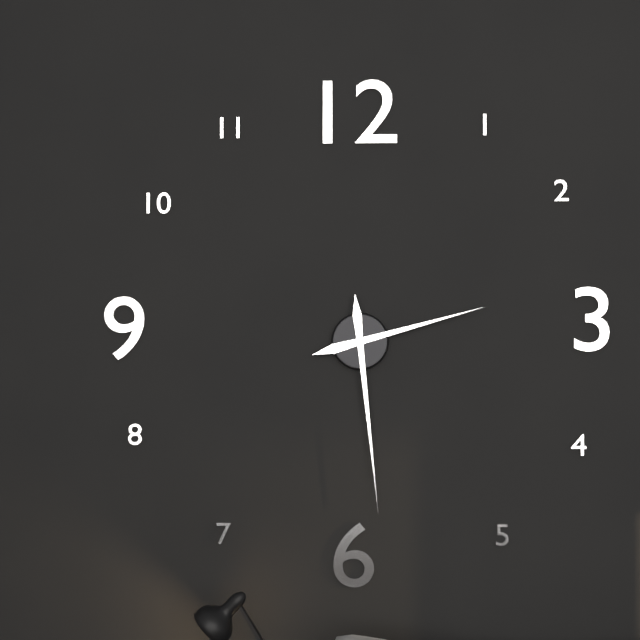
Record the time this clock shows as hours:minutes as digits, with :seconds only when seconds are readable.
2:29
